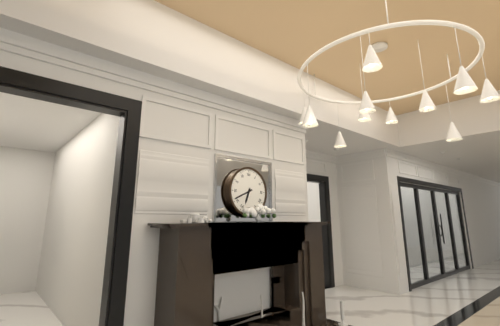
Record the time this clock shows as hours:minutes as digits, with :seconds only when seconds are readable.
6:41
